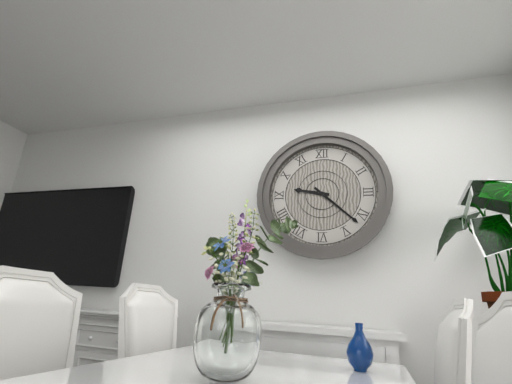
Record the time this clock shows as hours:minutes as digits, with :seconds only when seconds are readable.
9:22
